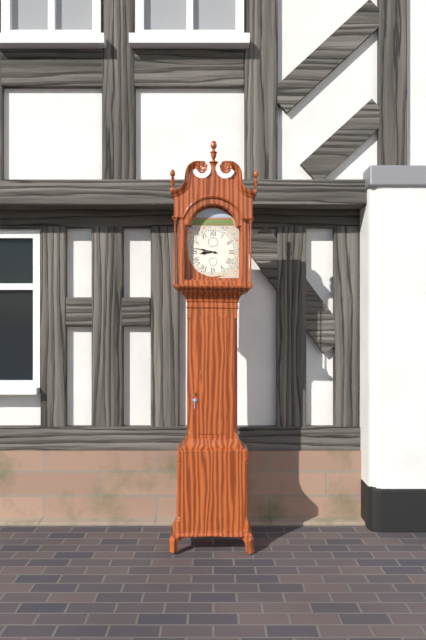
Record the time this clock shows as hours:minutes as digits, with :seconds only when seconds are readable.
8:47
